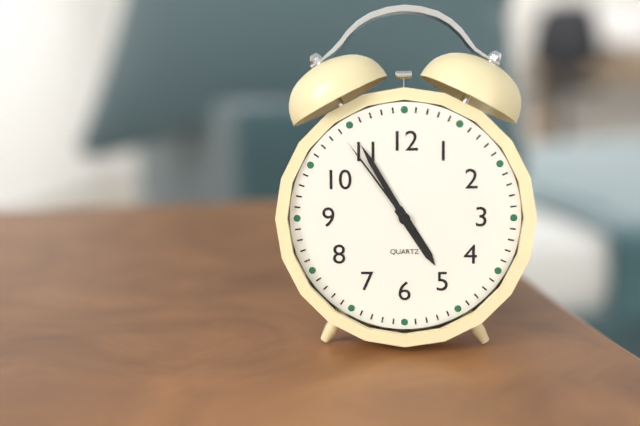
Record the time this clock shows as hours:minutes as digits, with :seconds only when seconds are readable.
4:55:54
